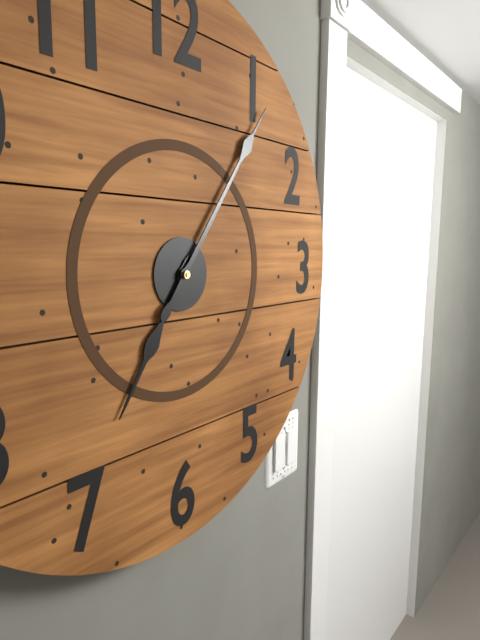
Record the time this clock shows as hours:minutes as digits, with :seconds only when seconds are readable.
7:06
